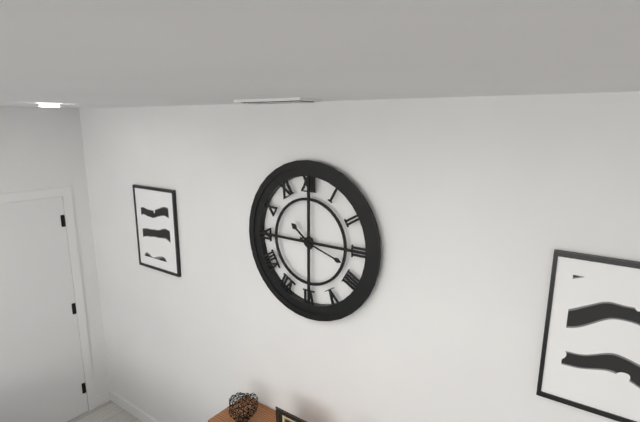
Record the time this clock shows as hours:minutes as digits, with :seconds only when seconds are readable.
10:18
